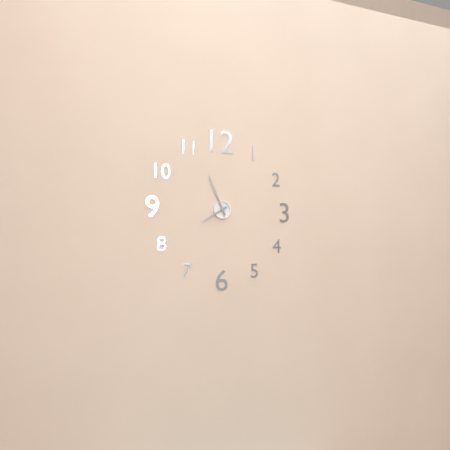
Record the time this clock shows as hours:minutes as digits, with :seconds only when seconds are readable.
7:56
